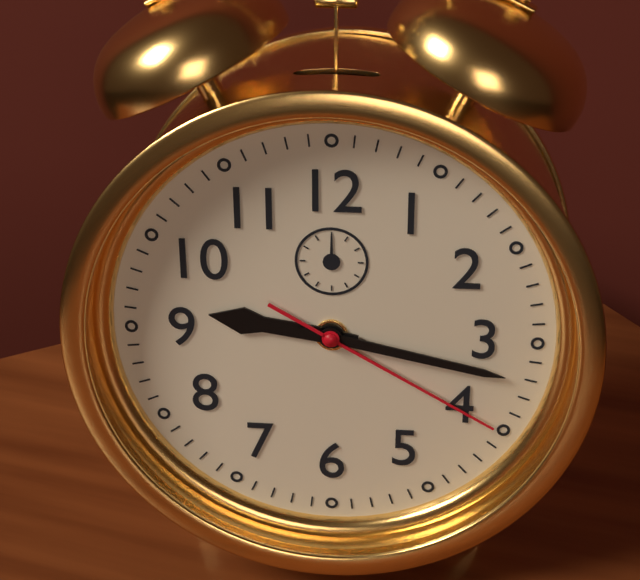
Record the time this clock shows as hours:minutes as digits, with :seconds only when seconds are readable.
9:17:20
